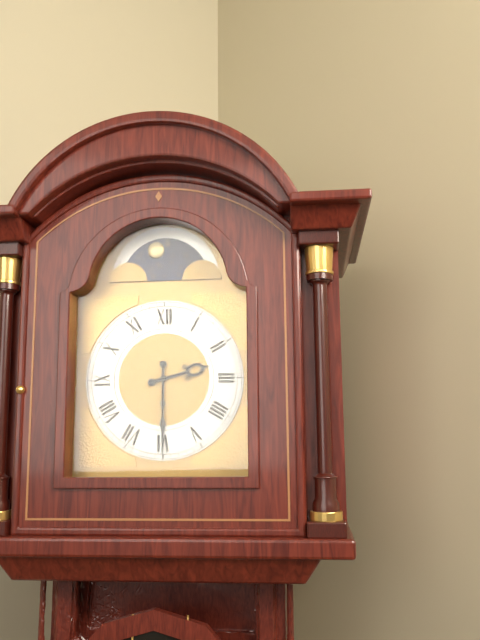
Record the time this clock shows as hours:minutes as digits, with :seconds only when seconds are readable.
2:30
